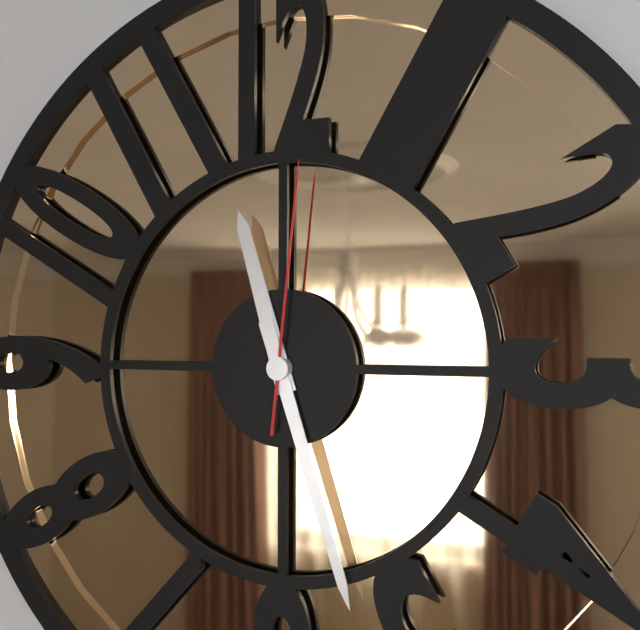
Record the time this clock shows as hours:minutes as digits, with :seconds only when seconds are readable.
11:27:01
